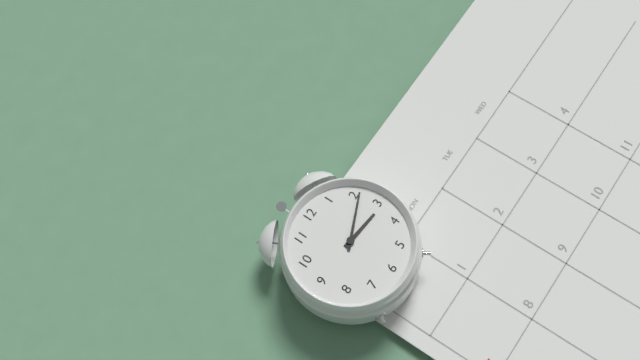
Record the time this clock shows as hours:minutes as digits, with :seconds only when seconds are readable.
3:11
